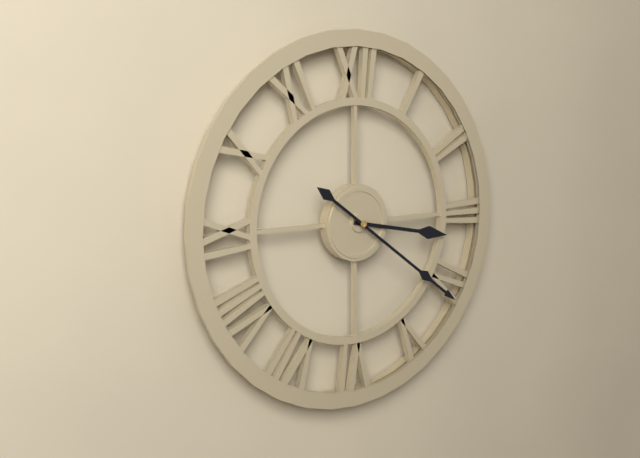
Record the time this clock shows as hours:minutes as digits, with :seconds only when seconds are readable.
3:21
